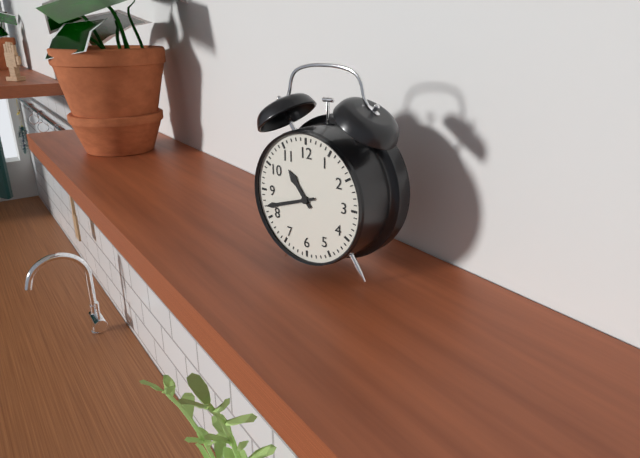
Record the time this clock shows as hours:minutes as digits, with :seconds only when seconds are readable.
10:42
